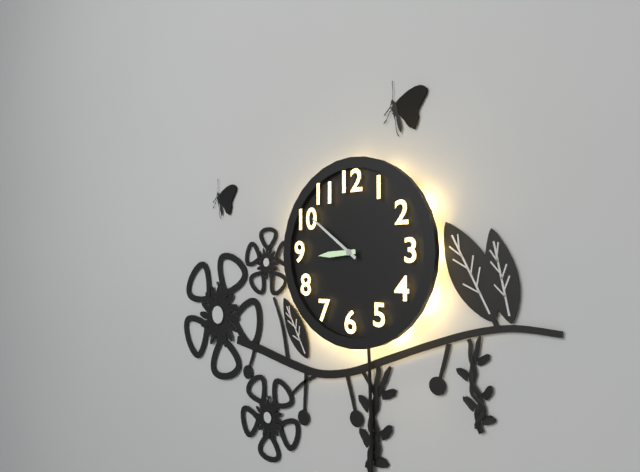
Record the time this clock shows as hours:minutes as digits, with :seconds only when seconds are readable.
8:51
